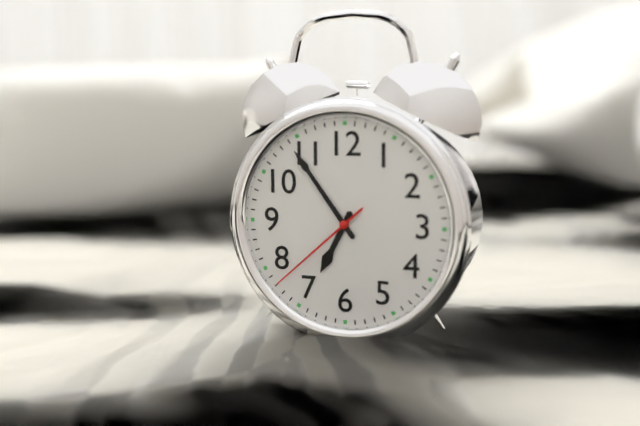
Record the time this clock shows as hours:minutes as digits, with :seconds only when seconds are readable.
6:54:38
